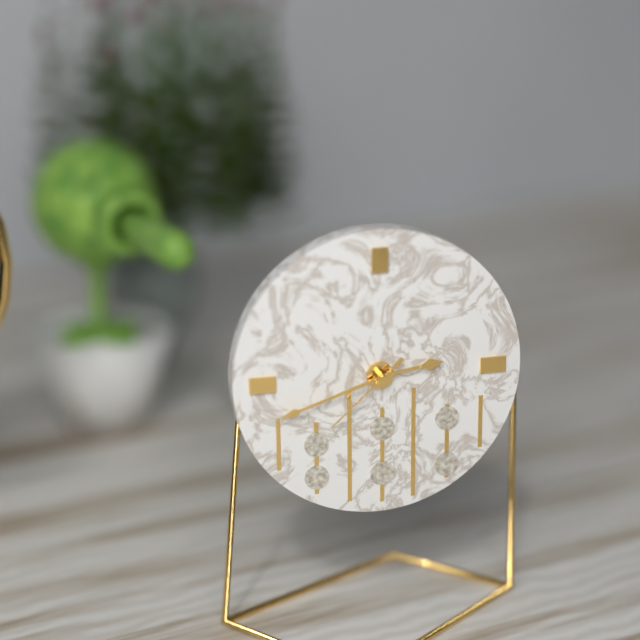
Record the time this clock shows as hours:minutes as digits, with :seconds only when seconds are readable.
2:42:38
